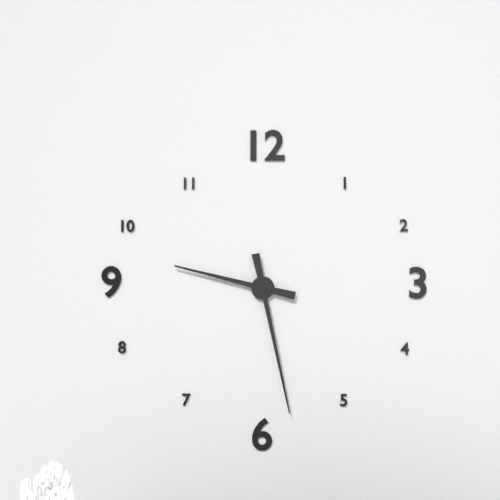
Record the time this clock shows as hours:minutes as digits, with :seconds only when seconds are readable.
9:28
